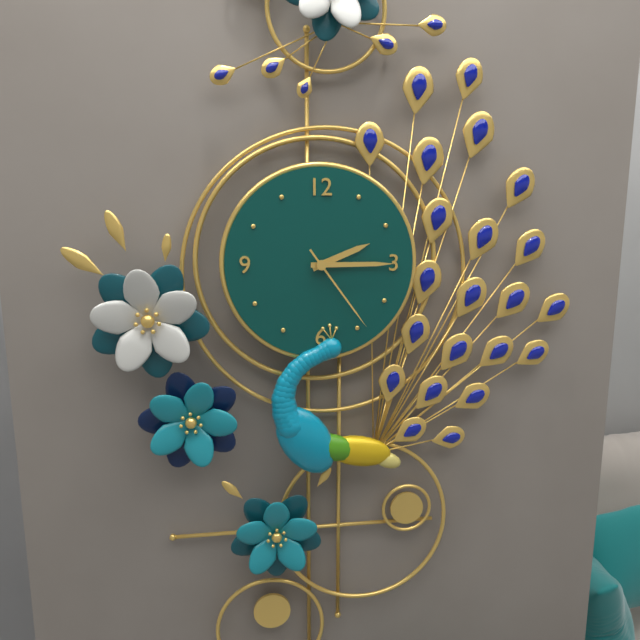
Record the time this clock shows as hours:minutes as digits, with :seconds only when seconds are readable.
2:15:24
